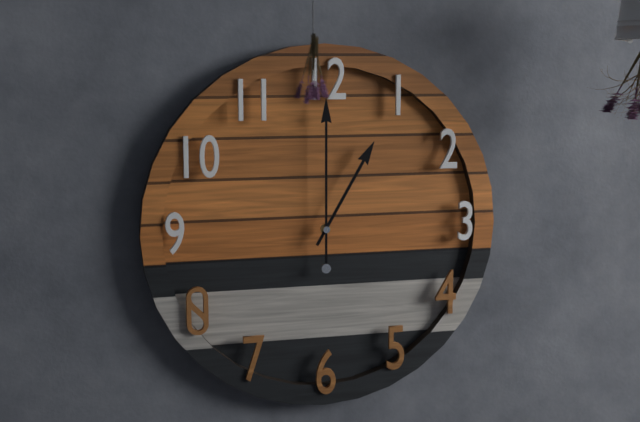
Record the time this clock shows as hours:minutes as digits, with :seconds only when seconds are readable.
1:00
